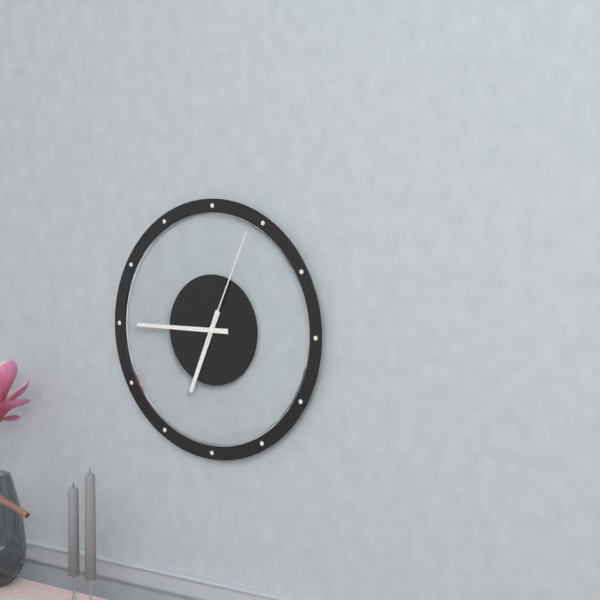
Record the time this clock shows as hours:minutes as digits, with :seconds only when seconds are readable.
6:45:04
